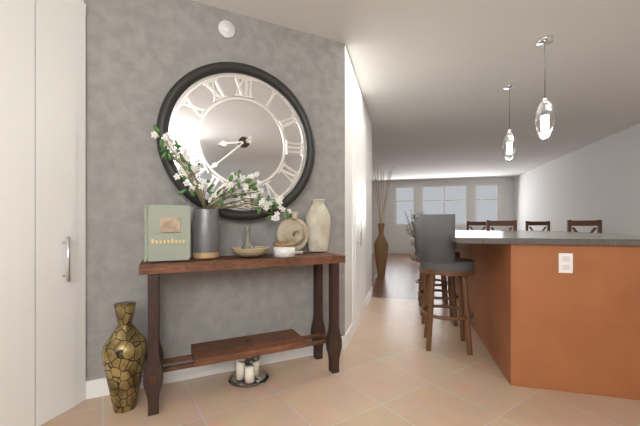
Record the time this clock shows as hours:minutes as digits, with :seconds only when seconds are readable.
8:38
